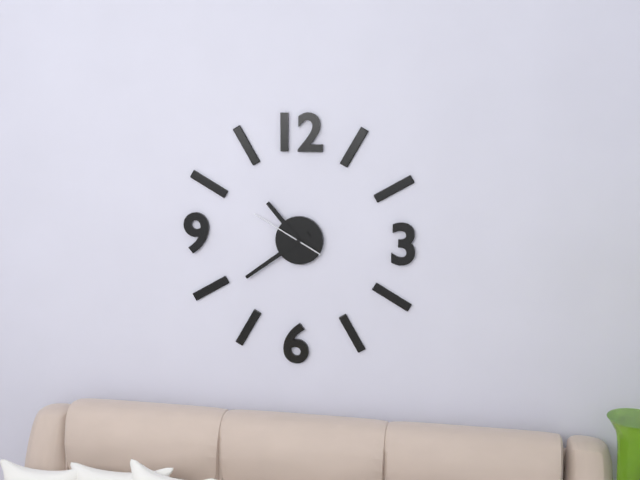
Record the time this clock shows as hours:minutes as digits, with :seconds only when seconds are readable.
10:39:50
